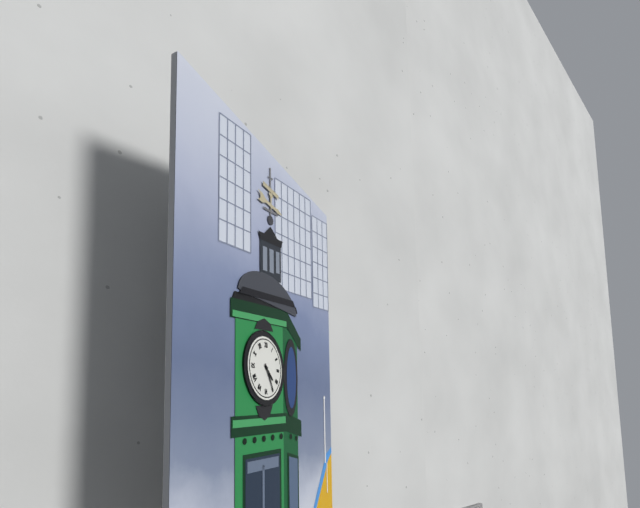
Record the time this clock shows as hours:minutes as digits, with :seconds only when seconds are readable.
4:25
